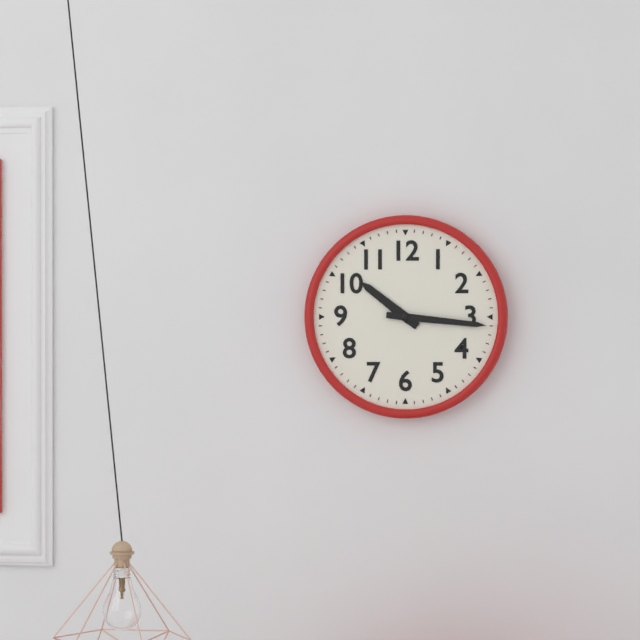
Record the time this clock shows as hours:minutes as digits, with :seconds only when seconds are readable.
10:16
